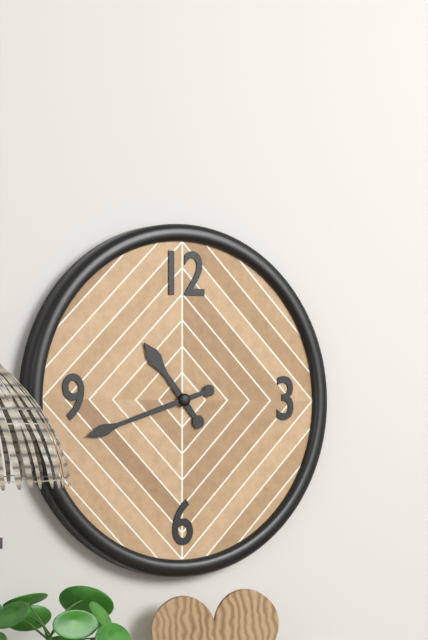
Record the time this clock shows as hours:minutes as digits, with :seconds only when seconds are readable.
10:42
